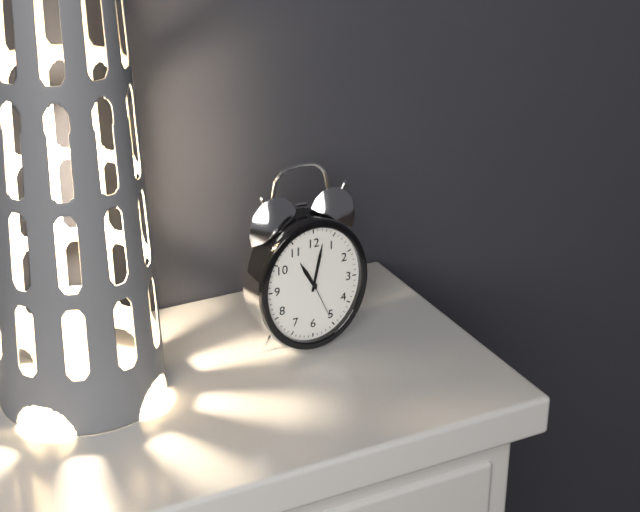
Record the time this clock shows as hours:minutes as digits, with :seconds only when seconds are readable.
11:02:26
